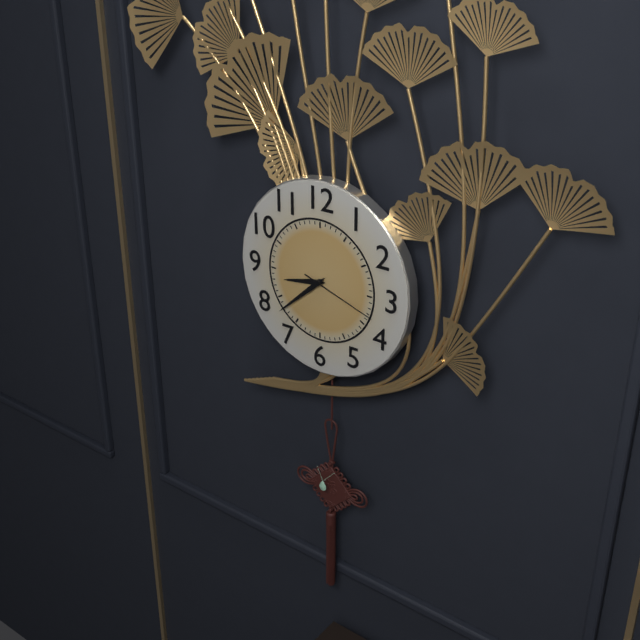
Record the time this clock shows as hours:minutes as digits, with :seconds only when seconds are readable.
8:38:18
